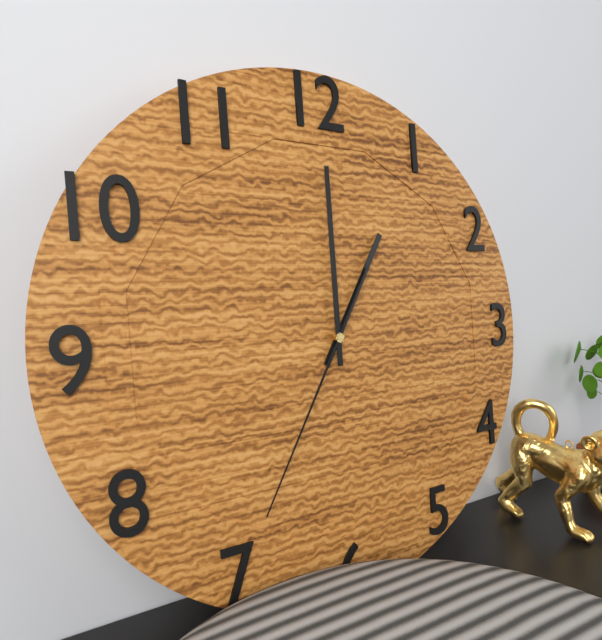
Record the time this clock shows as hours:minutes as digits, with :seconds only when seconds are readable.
1:00:35
